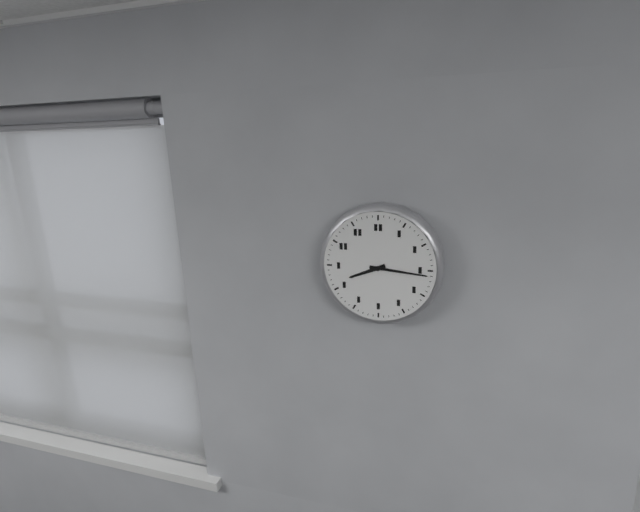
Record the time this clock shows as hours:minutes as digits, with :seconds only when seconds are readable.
8:16
